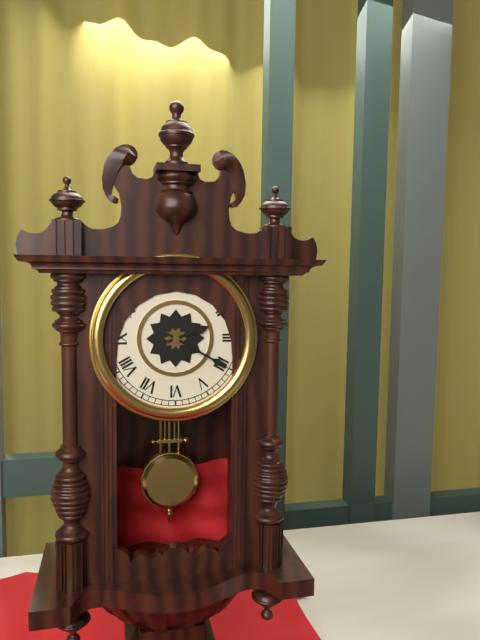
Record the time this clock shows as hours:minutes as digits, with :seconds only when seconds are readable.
2:20
